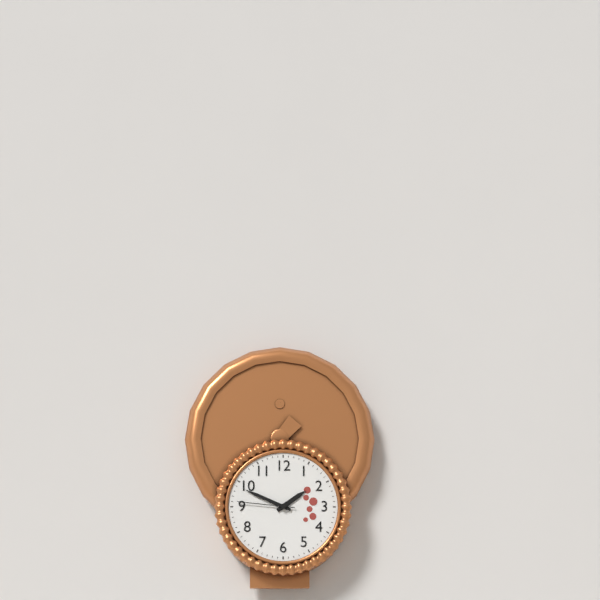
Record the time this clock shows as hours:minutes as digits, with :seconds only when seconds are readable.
1:49:46
